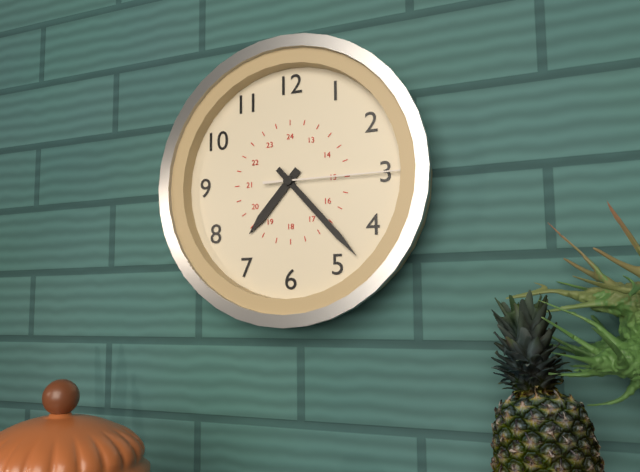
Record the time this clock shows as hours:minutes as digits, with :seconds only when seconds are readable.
7:23:15
